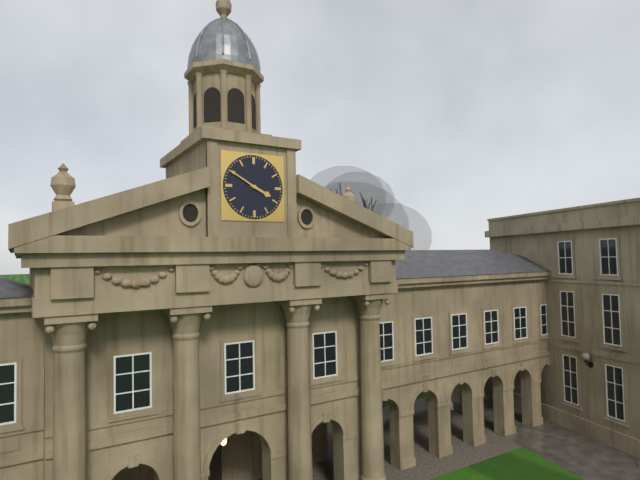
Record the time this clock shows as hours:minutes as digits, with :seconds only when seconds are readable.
3:50
